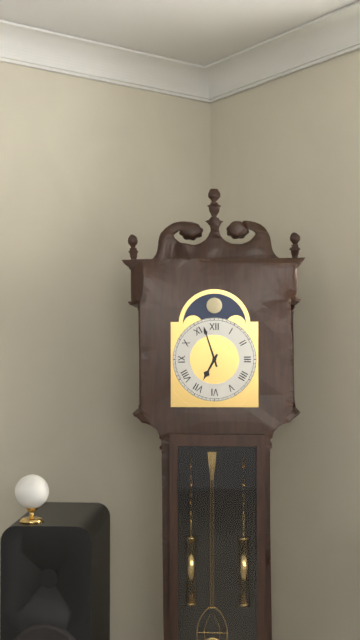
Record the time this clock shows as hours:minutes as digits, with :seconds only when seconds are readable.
6:57
